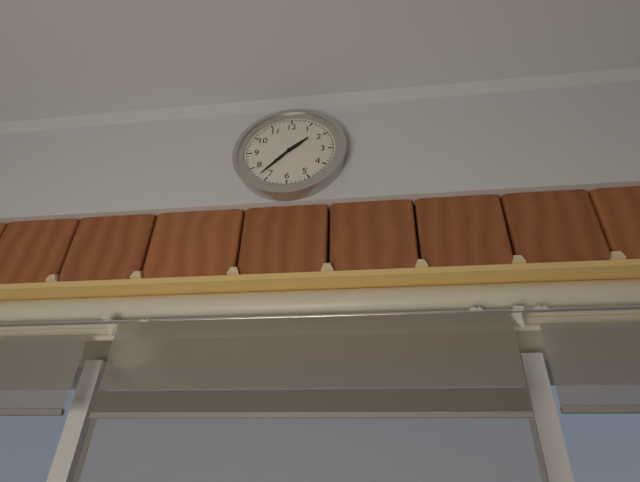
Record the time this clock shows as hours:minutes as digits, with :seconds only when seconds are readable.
1:37
